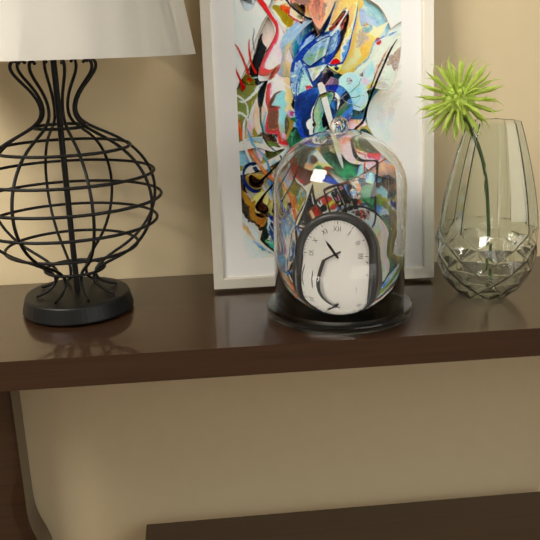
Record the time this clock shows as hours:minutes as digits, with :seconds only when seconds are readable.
10:40
